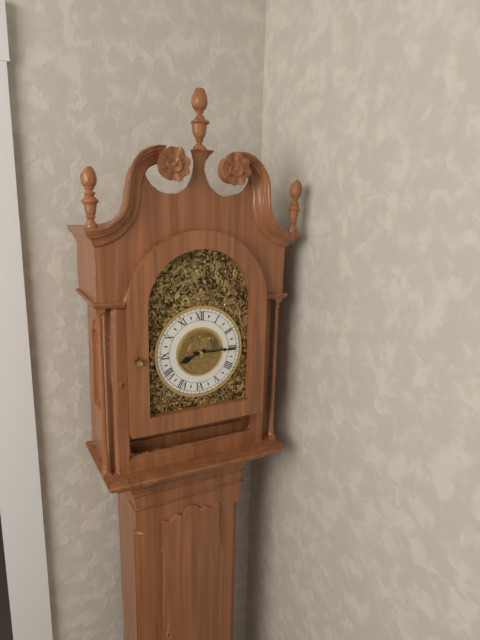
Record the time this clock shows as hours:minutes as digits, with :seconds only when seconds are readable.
8:15
